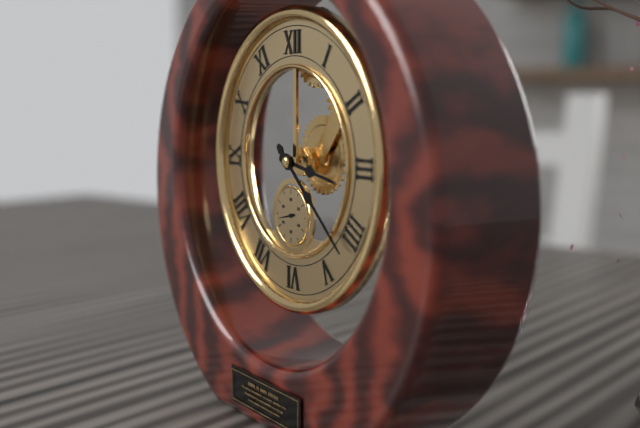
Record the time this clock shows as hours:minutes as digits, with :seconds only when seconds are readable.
3:22
